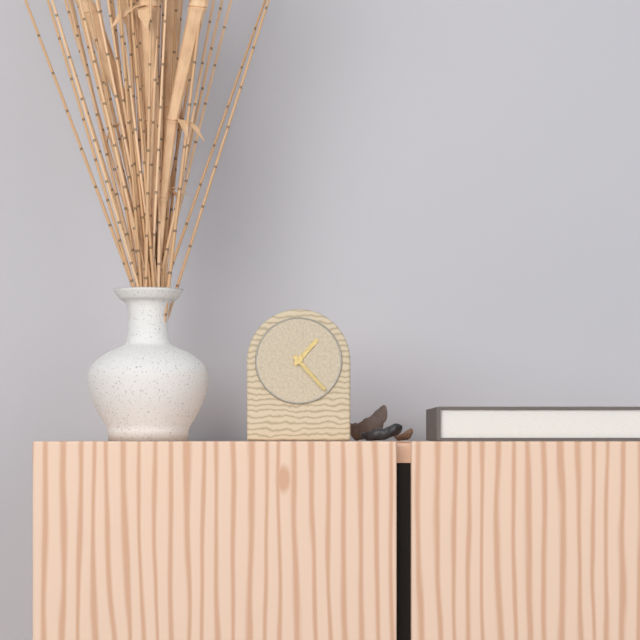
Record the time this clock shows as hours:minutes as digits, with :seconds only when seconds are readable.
1:23
